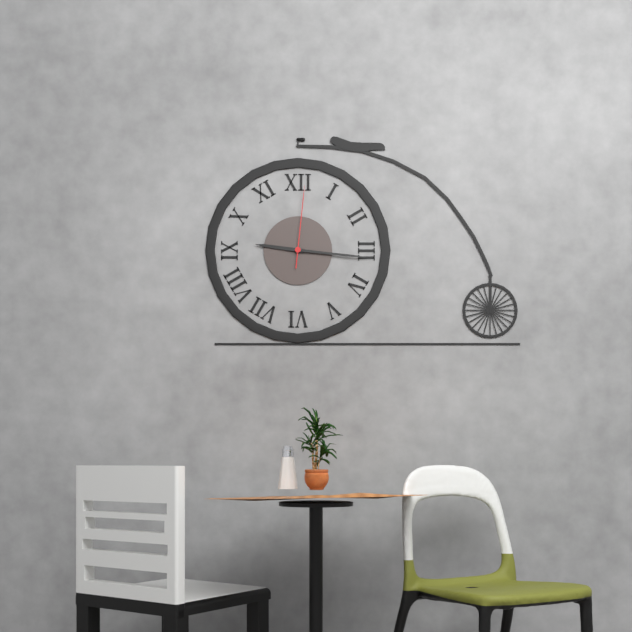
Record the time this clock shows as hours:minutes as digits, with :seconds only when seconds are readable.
9:16:01
